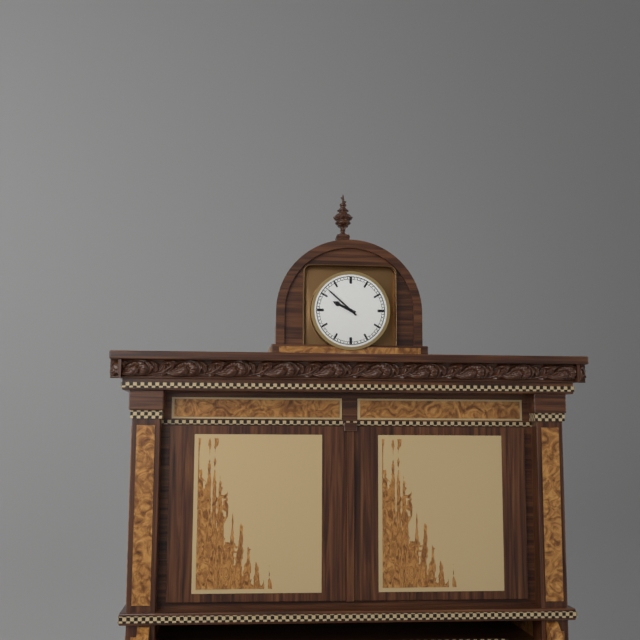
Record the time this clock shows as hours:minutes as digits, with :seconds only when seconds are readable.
9:52
